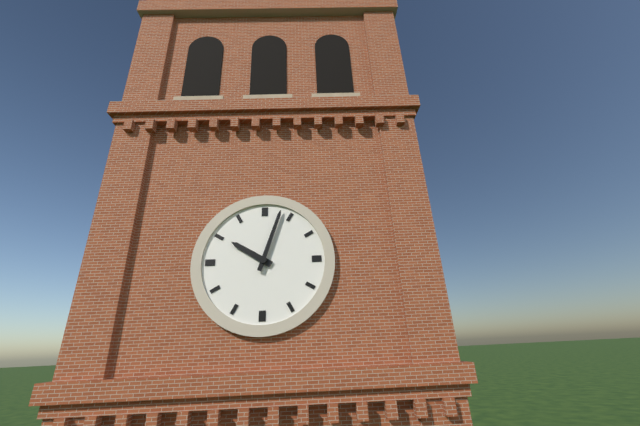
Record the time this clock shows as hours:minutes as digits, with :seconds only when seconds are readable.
10:03
